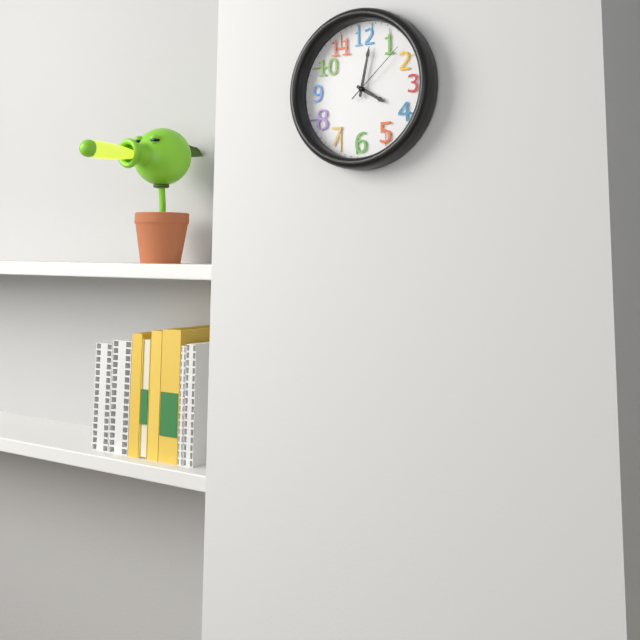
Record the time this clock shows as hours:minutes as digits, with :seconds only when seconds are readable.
4:02:08
